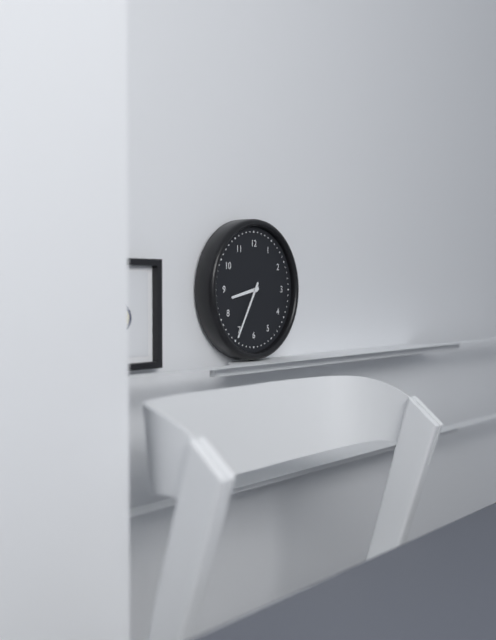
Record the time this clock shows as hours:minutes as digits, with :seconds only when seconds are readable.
8:35
